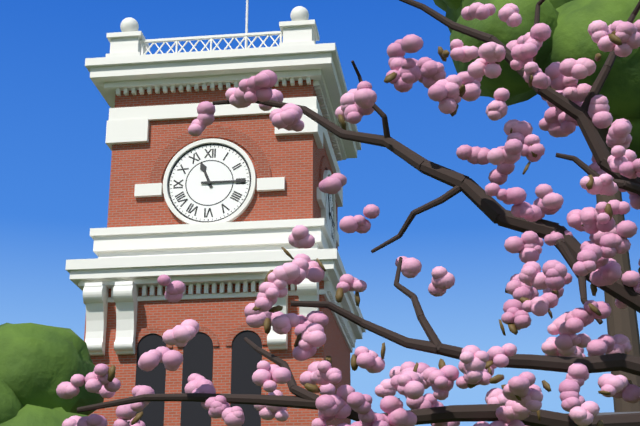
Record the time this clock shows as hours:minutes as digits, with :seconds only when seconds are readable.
11:15
